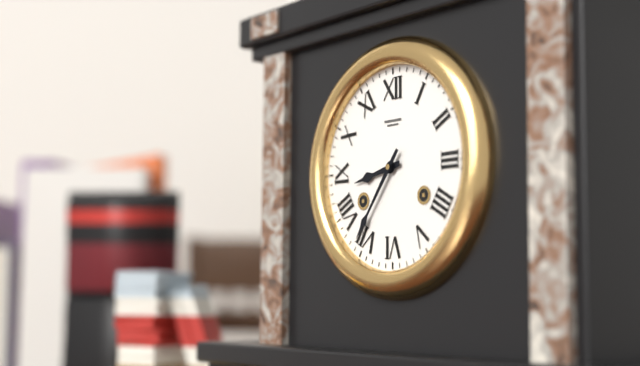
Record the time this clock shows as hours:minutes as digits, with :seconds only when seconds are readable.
8:36
